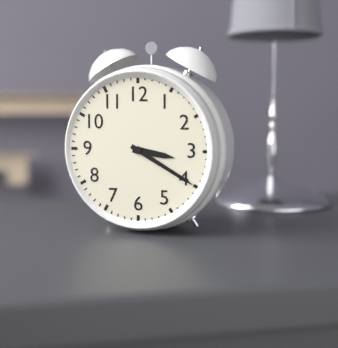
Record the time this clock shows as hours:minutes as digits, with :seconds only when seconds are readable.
3:20
